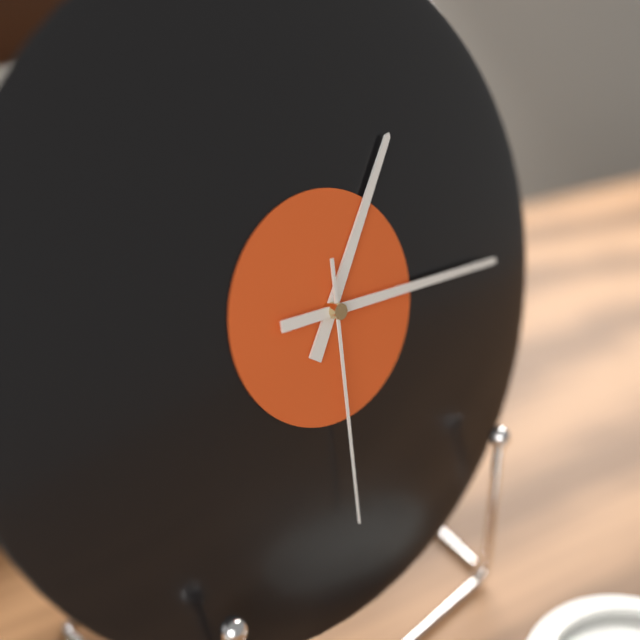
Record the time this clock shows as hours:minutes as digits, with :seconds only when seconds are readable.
1:16:31
